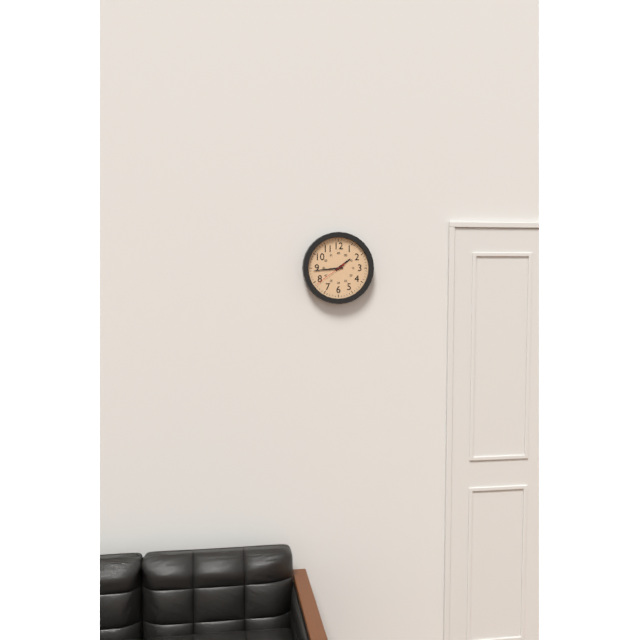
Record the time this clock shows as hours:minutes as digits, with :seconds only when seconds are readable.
1:44
